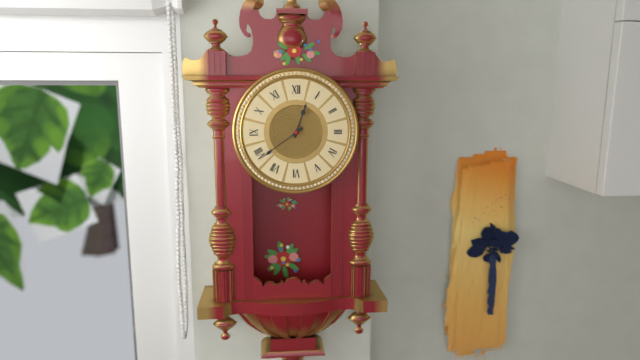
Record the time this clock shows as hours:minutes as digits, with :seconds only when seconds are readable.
12:39
